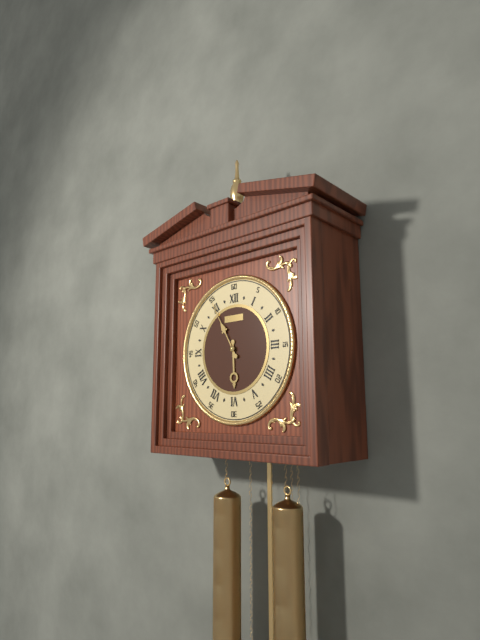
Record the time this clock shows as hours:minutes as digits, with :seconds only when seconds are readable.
5:55
